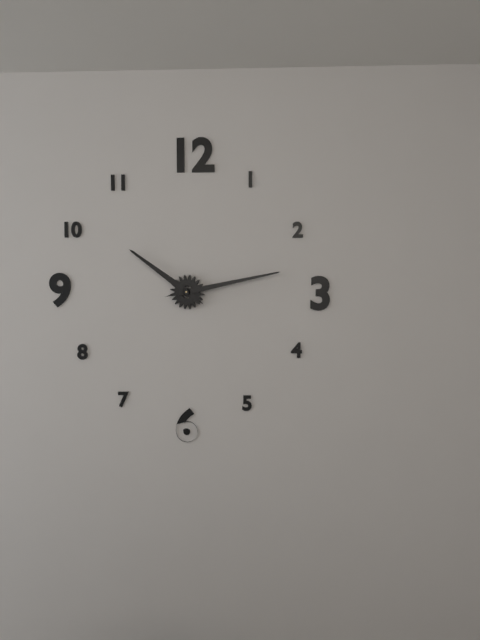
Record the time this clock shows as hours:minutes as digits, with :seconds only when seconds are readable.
10:13
